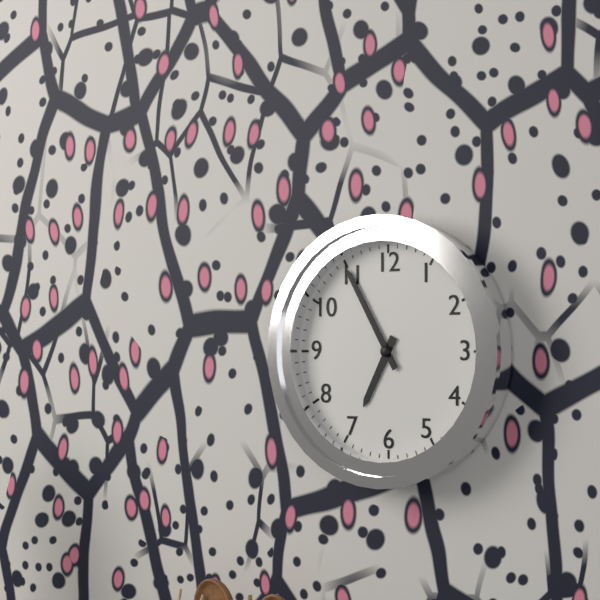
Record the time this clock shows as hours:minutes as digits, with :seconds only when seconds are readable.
6:55
